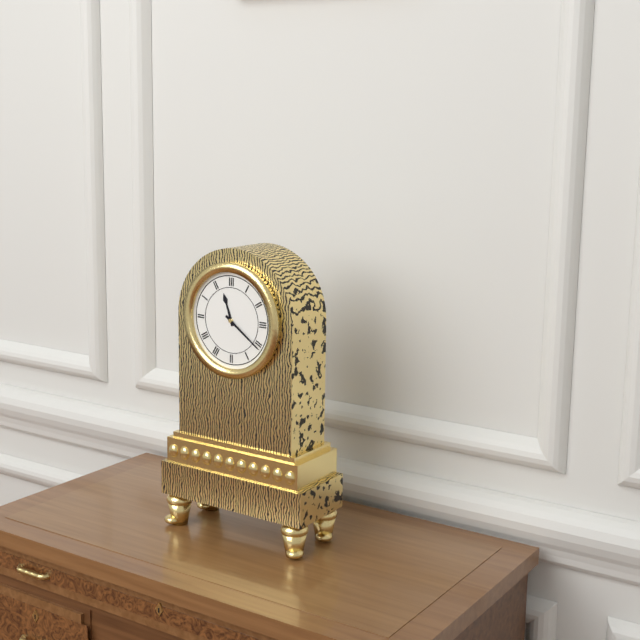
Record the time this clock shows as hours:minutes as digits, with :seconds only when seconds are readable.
11:21
